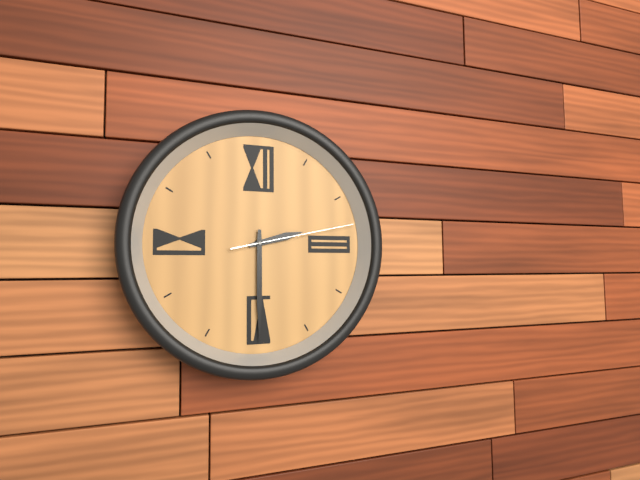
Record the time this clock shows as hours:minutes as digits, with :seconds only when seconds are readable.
2:30:13
